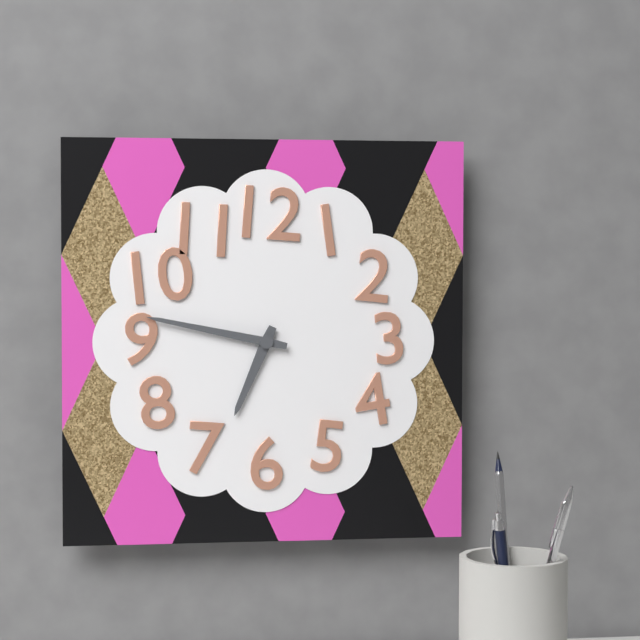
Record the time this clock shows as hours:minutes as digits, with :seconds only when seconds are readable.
6:47
